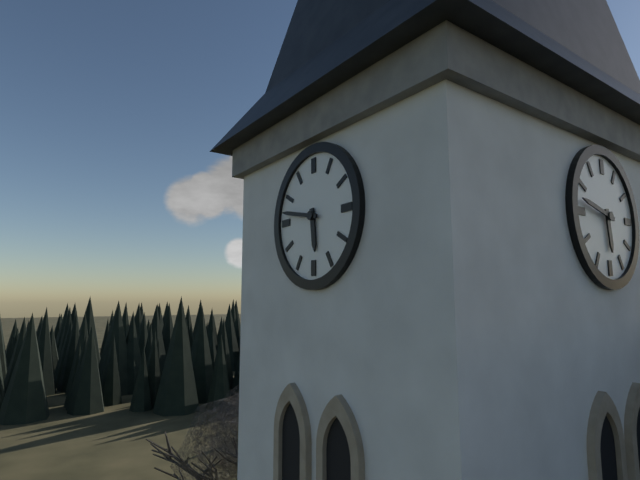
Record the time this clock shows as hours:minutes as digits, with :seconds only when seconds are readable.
5:47
